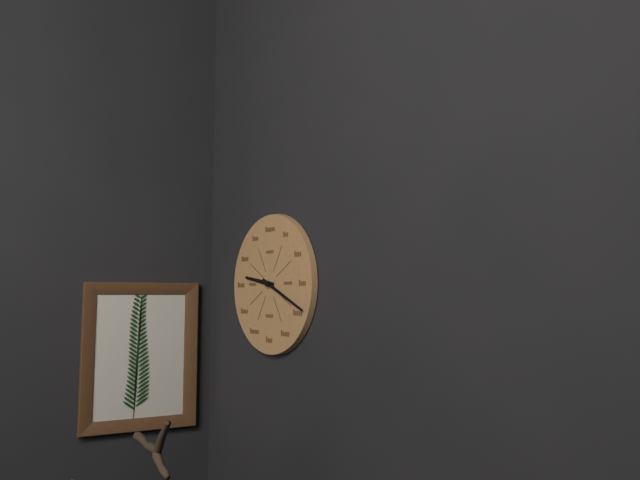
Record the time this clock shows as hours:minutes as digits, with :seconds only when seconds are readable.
9:19
